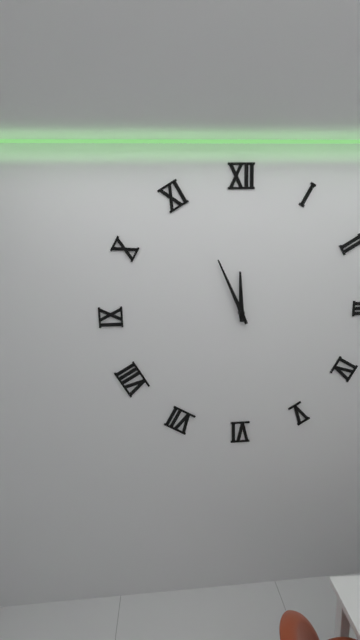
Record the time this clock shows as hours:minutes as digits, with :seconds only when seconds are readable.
11:56
